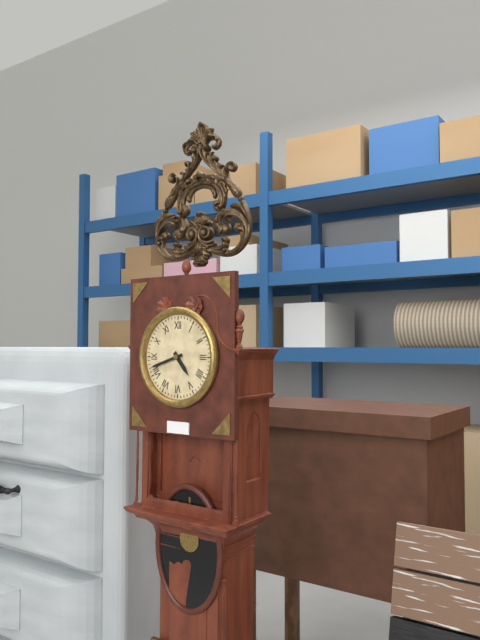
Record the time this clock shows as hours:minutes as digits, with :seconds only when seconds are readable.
4:42
